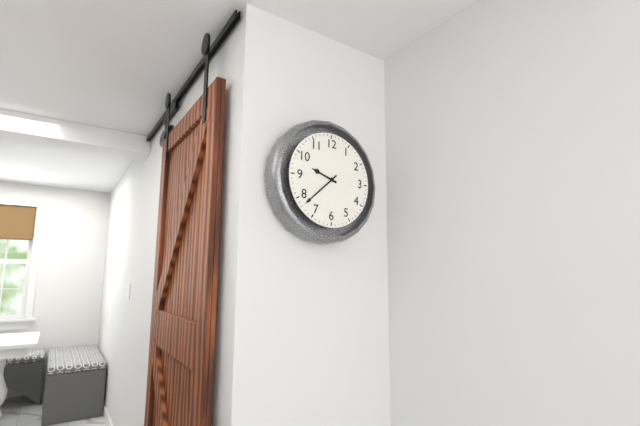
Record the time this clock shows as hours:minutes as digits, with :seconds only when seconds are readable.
9:38
